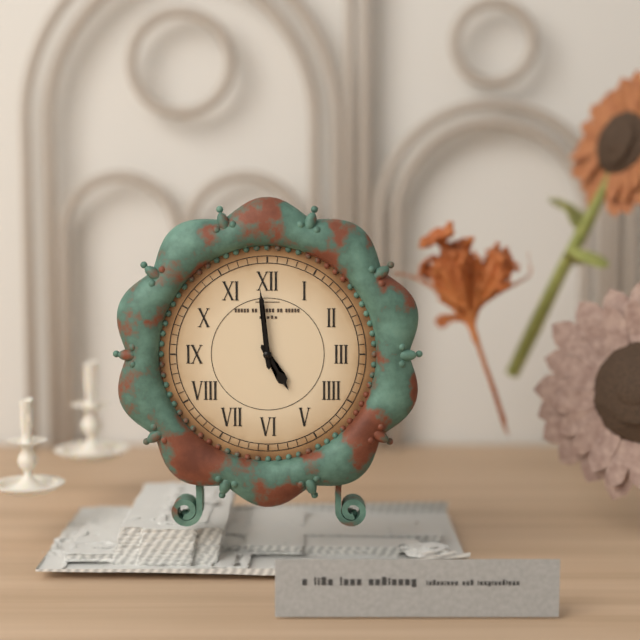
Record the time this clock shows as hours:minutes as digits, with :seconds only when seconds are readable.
4:59
